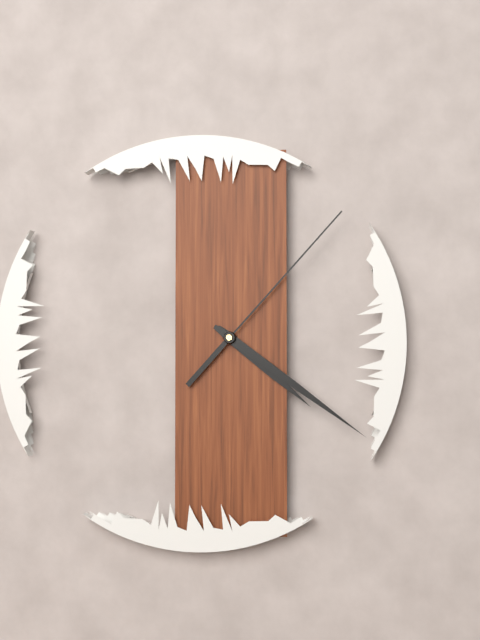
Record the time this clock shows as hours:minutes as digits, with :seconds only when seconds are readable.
4:21:07
